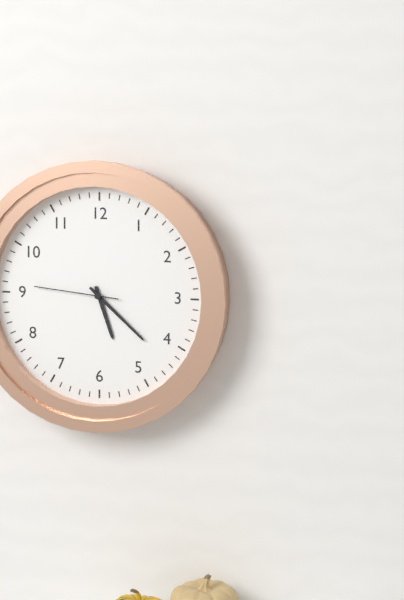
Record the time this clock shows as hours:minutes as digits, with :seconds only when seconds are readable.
5:22:46
